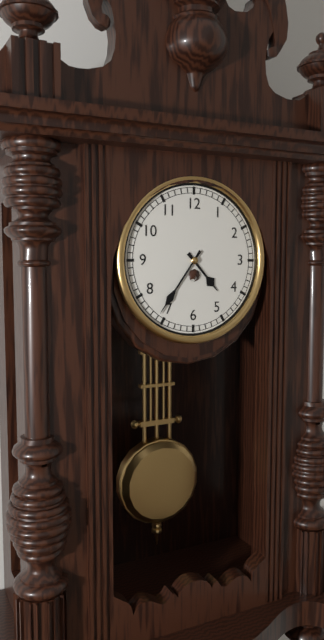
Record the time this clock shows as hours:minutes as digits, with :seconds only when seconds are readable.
4:36
